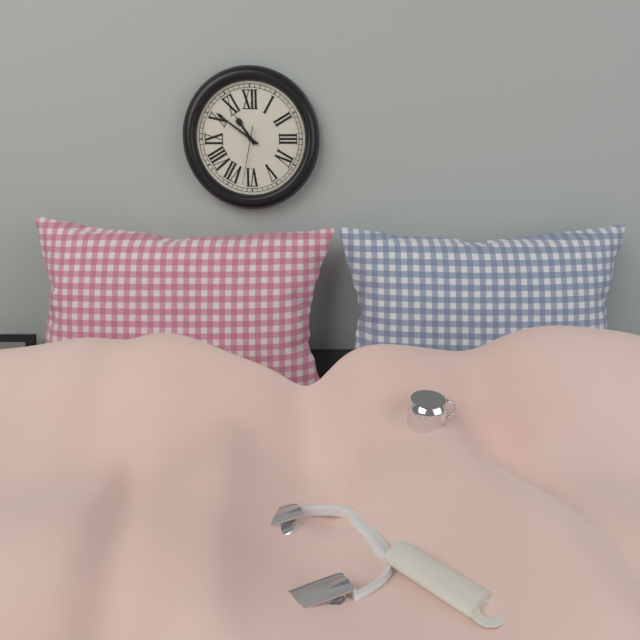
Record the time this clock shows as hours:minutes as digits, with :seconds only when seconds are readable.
10:51:32
